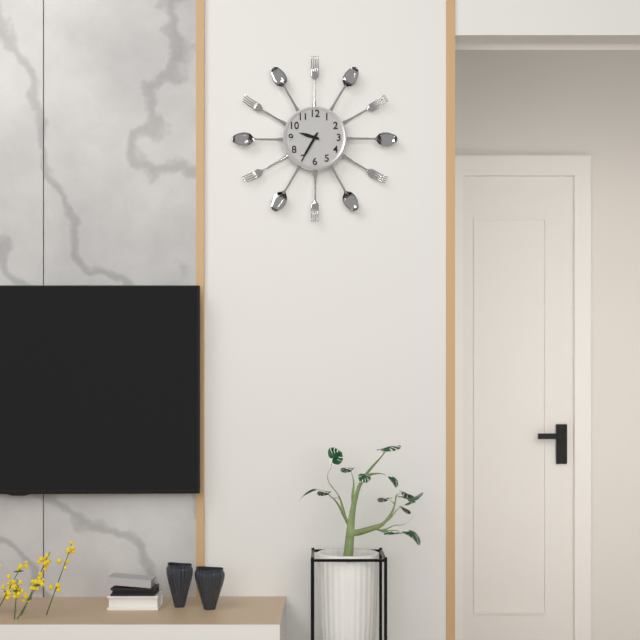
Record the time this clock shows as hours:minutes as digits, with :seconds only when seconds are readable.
9:35
